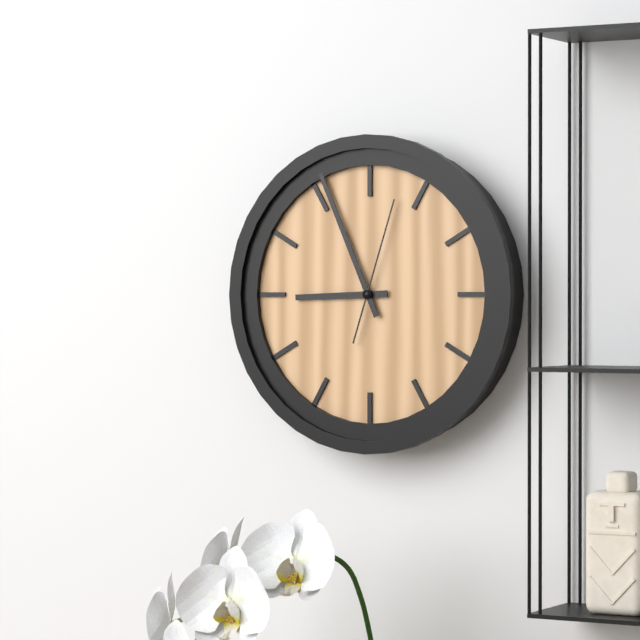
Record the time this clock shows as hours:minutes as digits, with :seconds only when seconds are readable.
8:56:03
